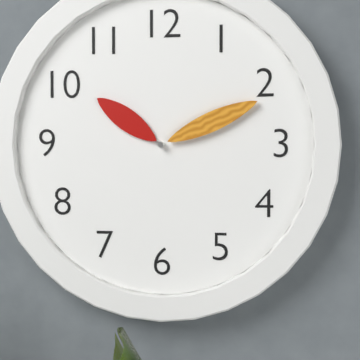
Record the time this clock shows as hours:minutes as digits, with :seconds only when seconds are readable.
10:11
